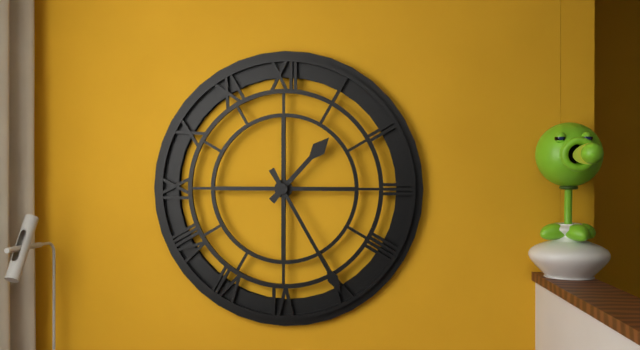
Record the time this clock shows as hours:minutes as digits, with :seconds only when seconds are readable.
1:25
